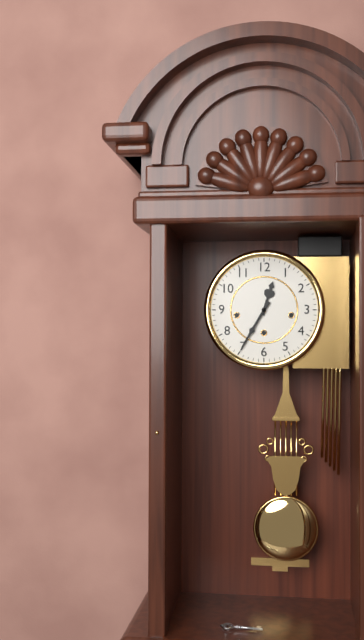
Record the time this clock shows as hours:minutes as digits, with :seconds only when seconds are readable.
12:35
